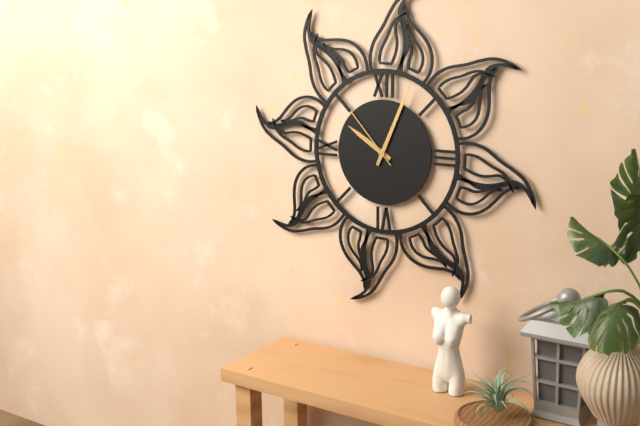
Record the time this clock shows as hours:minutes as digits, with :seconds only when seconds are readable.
10:04:53
